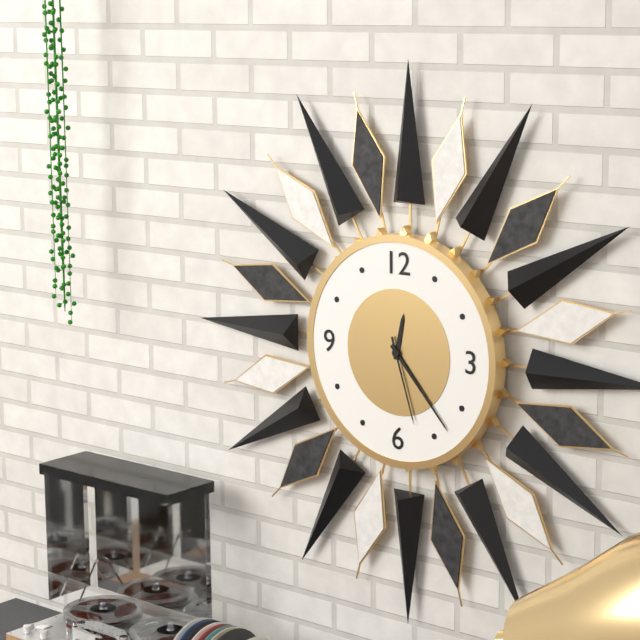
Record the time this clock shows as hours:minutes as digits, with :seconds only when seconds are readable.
12:23:27
